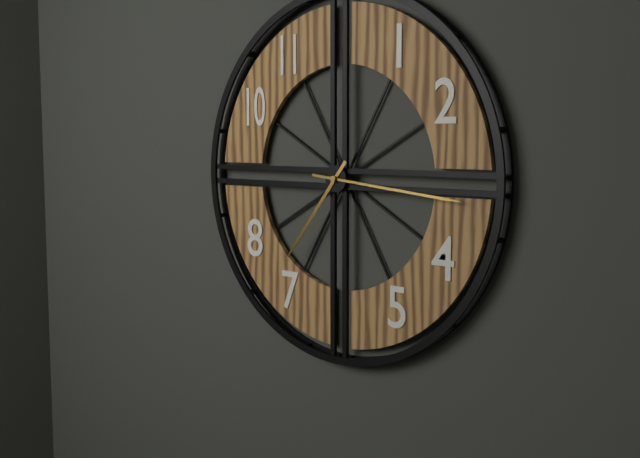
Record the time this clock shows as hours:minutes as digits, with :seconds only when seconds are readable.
7:16
